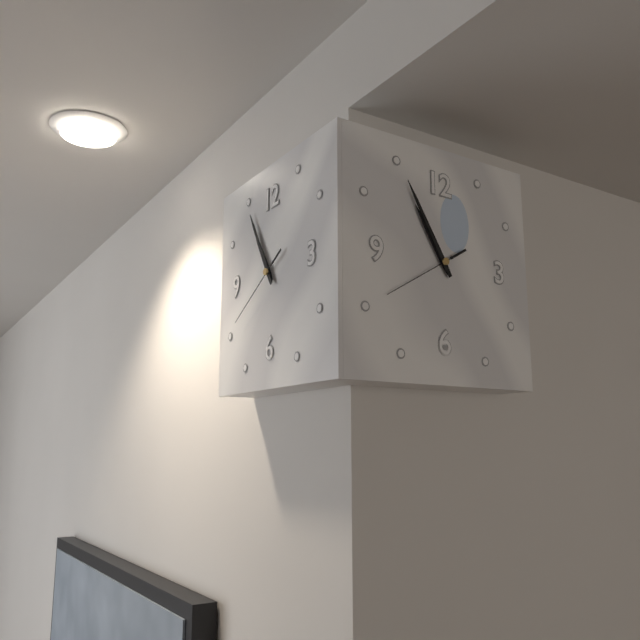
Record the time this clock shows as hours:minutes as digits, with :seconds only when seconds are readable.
10:55:40
